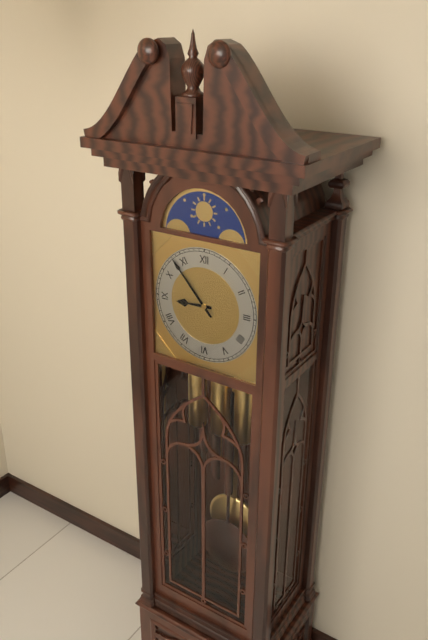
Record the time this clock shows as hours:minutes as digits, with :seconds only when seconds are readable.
8:53
